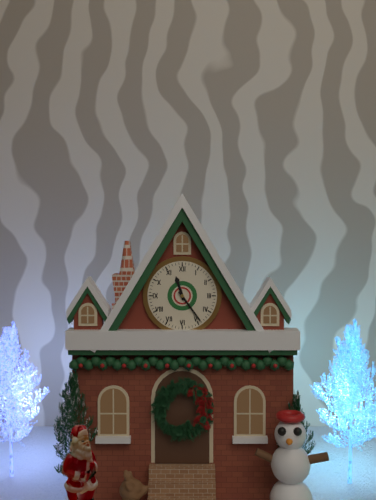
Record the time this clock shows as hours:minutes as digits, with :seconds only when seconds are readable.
11:24
